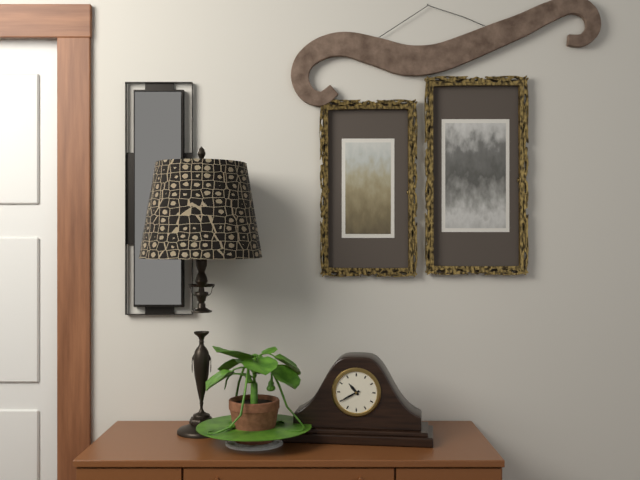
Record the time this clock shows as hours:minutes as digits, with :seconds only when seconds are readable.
10:40
